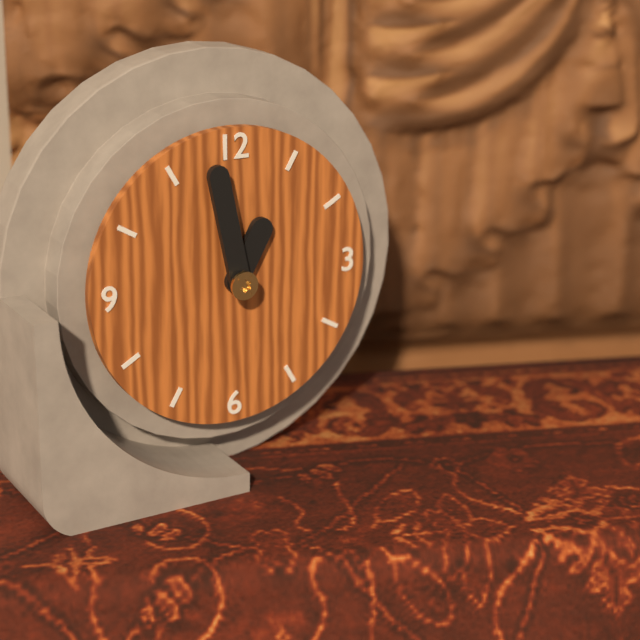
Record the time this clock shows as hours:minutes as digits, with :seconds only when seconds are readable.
12:58
